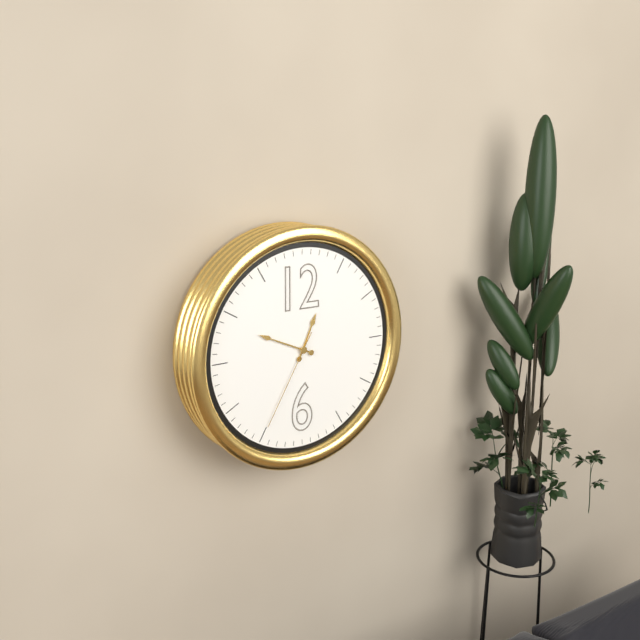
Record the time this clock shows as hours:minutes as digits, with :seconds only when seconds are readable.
12:49:35
